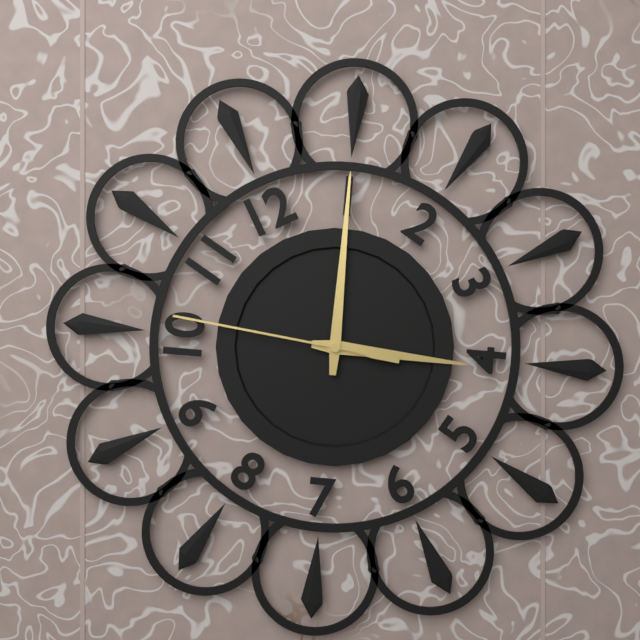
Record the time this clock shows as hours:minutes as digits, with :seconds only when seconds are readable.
4:05:51
